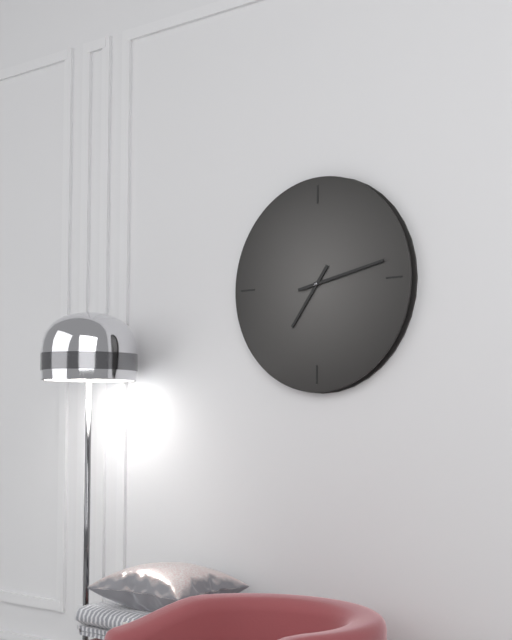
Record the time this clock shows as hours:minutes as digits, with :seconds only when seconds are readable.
7:13
